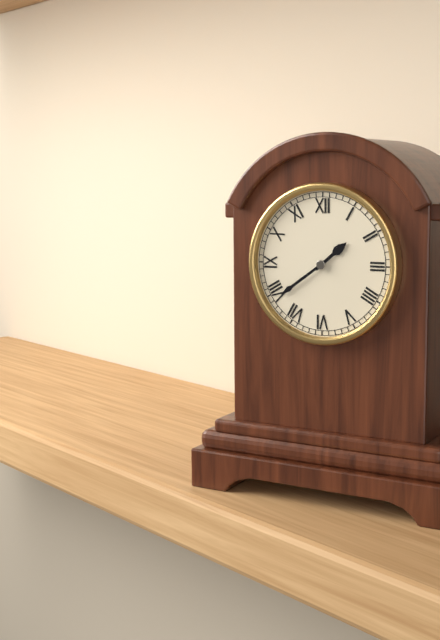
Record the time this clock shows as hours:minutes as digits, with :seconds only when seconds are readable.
1:39
